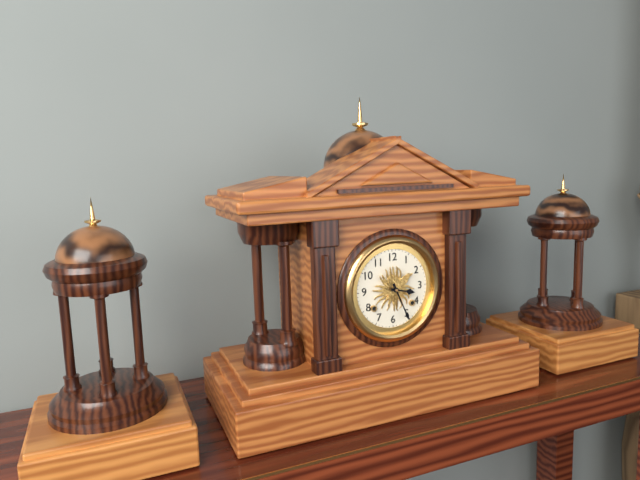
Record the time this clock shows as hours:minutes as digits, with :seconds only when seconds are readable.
3:26
